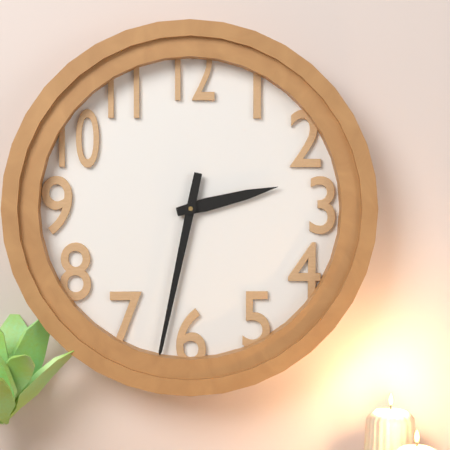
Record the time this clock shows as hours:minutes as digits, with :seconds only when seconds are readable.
2:32
